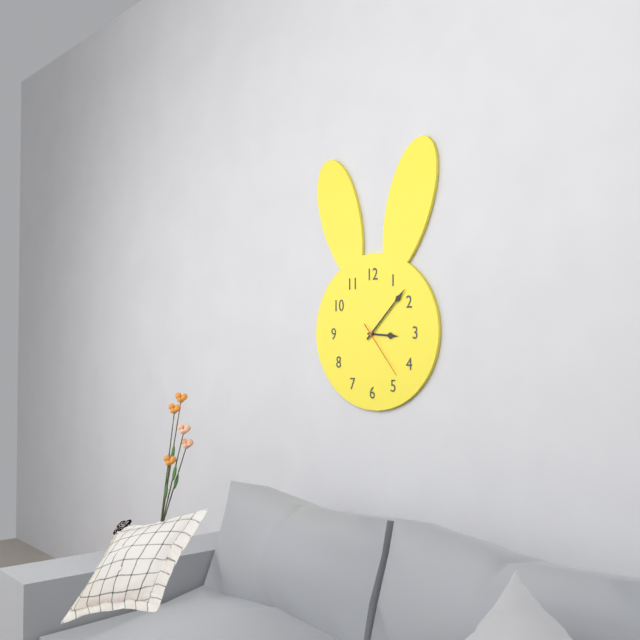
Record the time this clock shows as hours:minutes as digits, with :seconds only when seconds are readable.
3:08:23
